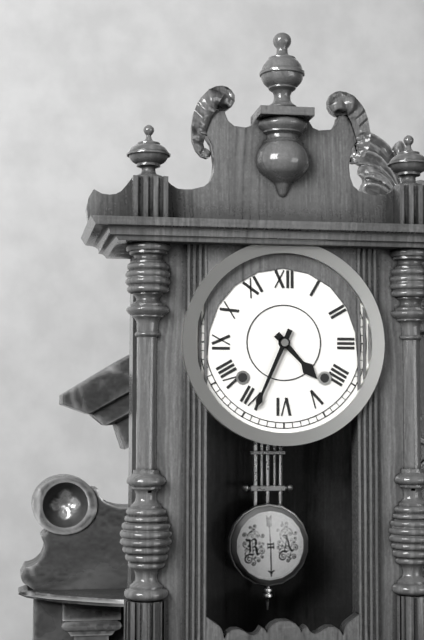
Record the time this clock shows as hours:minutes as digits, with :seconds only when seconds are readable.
4:34
